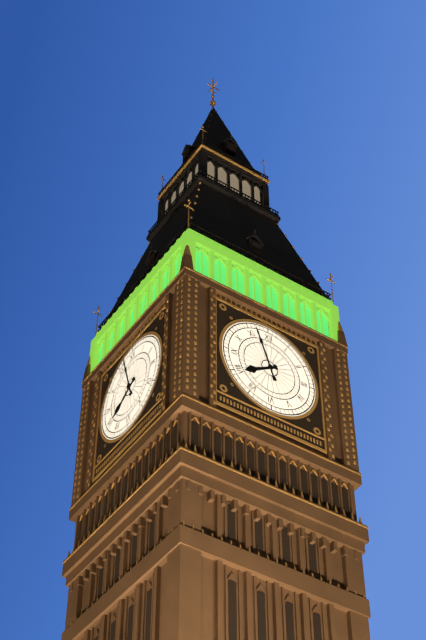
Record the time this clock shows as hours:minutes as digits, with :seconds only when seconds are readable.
7:57
